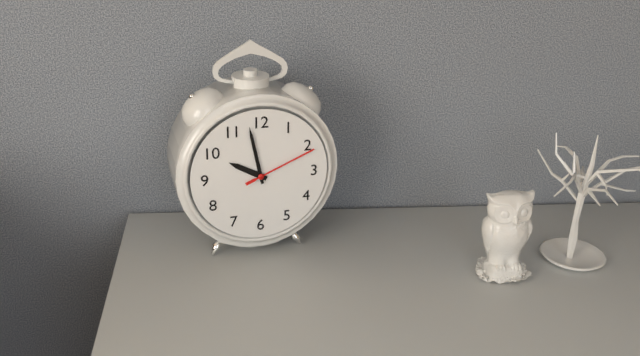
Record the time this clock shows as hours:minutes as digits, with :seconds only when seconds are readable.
9:58:11
